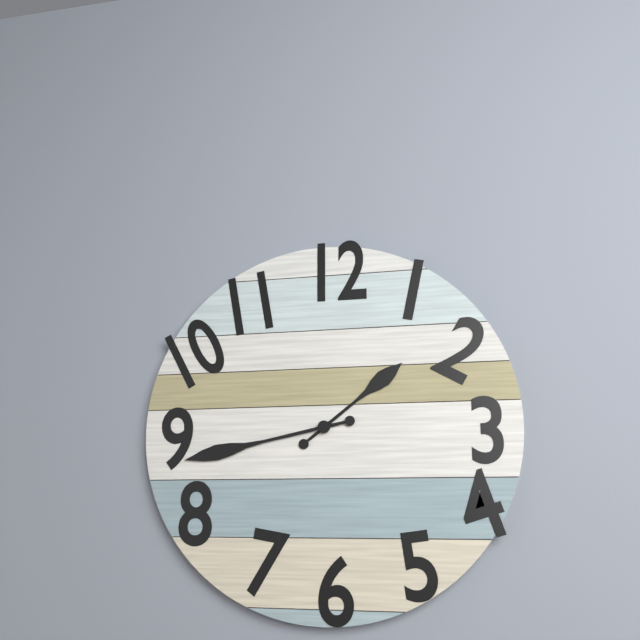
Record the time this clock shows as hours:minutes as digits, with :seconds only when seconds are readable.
1:43
